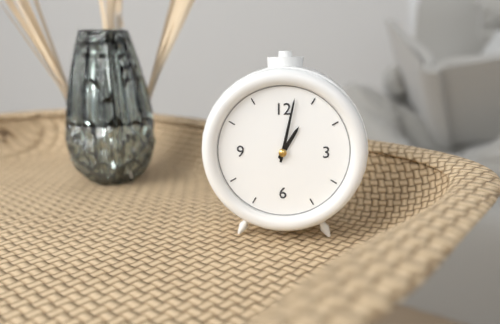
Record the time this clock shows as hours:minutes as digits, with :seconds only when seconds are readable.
1:02
